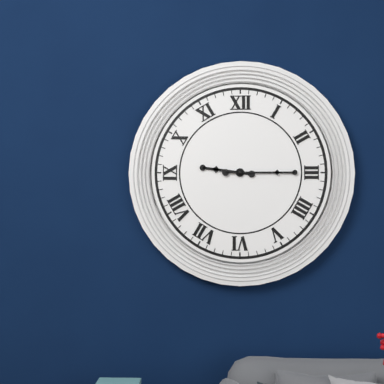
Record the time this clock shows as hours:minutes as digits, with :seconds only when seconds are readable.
9:15
